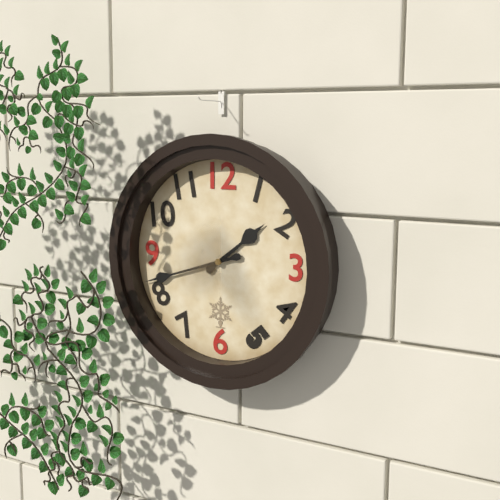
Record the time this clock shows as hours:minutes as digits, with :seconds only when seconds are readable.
1:42
